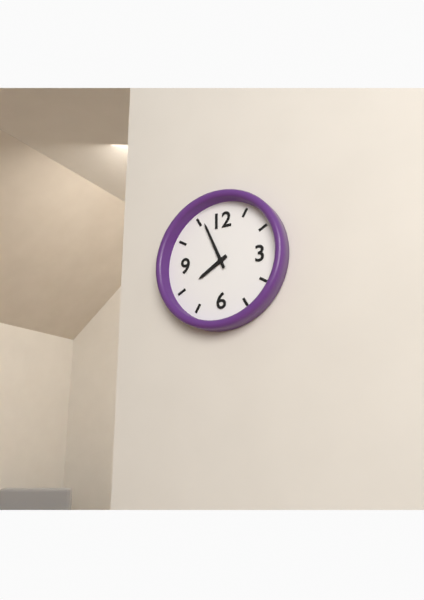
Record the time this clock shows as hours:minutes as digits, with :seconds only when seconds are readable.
7:56
